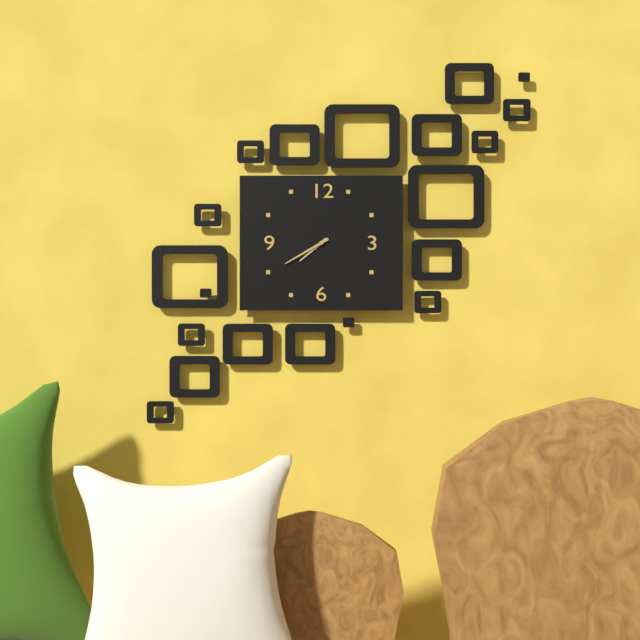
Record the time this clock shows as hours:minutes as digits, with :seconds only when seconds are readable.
7:40
